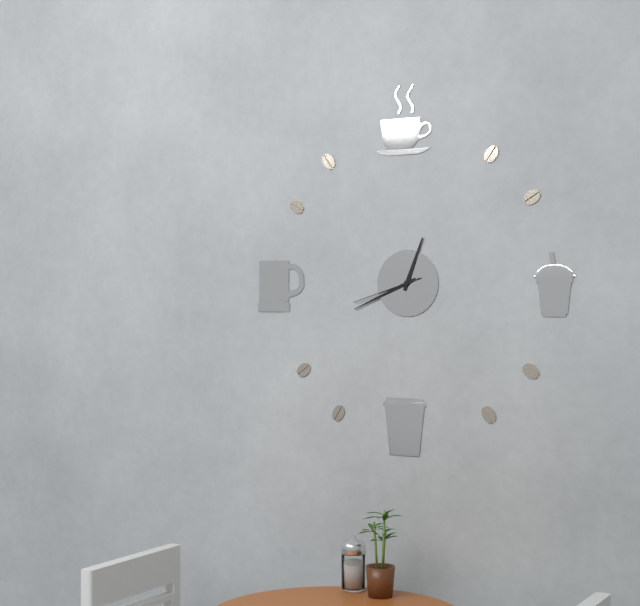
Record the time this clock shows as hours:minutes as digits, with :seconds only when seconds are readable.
12:41:42
